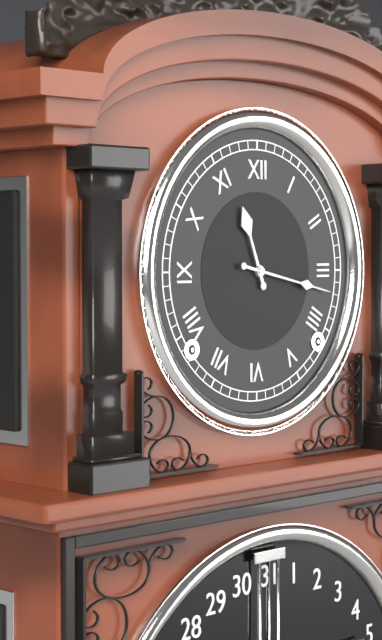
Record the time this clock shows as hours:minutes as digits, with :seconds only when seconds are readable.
11:17
